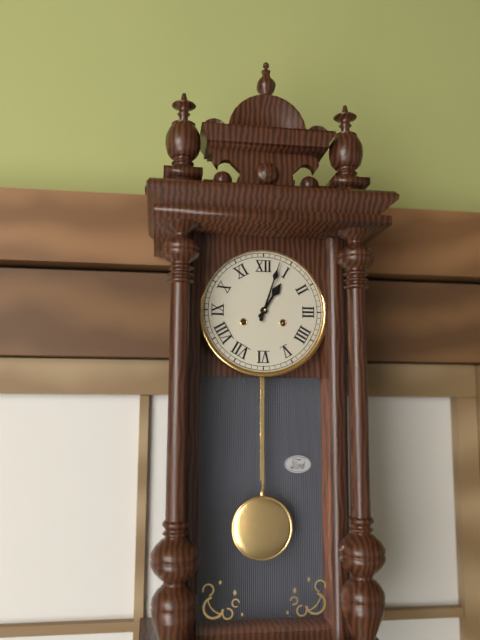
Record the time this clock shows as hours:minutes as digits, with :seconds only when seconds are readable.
1:03
